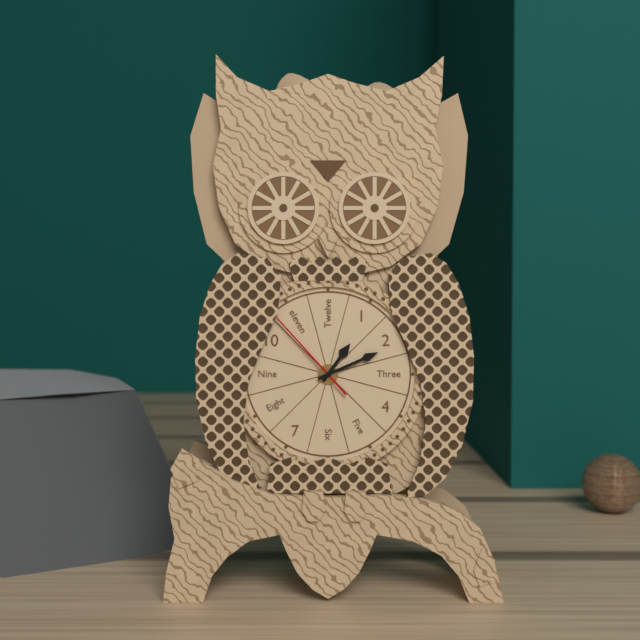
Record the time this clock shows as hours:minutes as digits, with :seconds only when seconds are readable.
1:11:53
